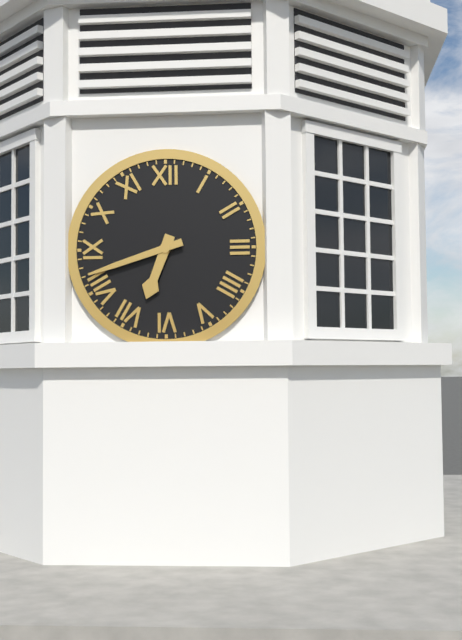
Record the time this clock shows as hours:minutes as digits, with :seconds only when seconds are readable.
6:42
